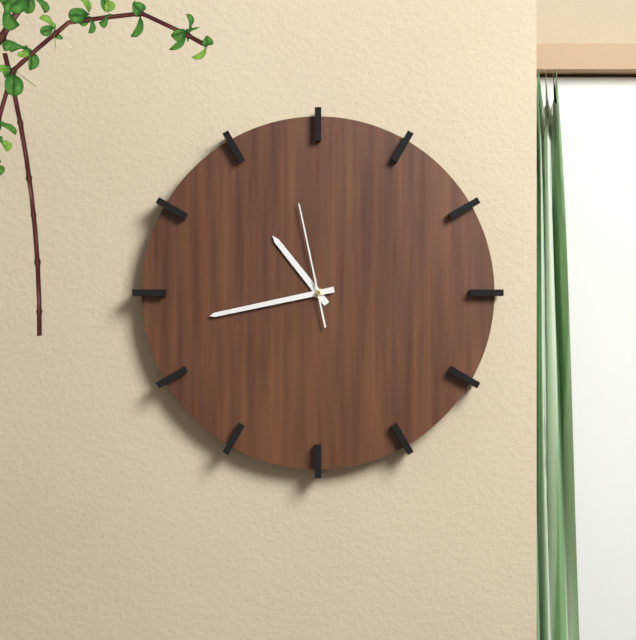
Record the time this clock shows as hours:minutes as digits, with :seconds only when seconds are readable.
10:43:58
